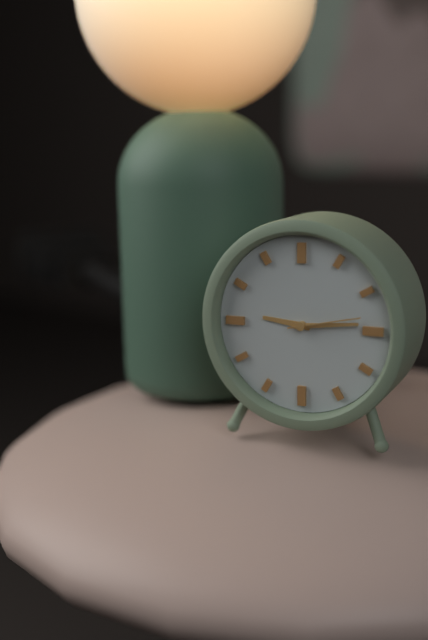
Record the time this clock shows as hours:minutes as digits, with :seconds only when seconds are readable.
9:14:13
